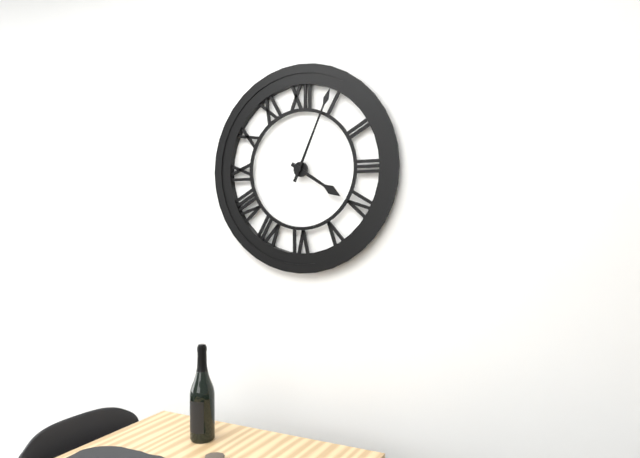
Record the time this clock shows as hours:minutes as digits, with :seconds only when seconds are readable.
4:04
